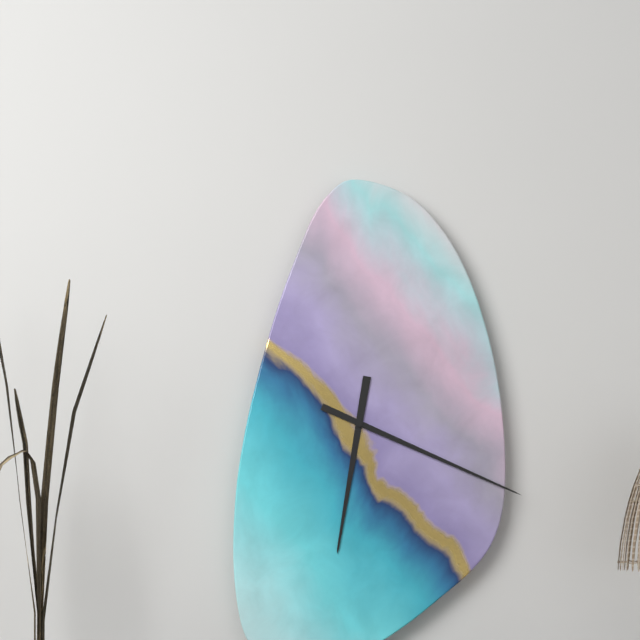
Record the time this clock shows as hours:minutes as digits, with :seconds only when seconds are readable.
6:19
